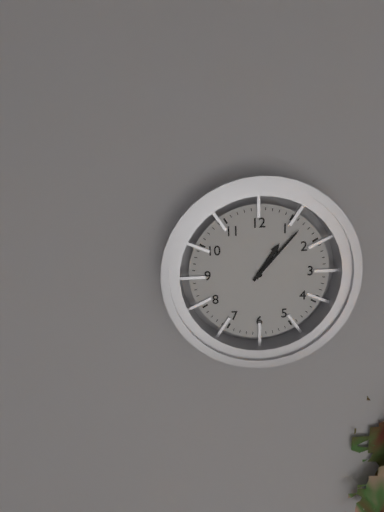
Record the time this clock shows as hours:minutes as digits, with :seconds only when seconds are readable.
1:07
